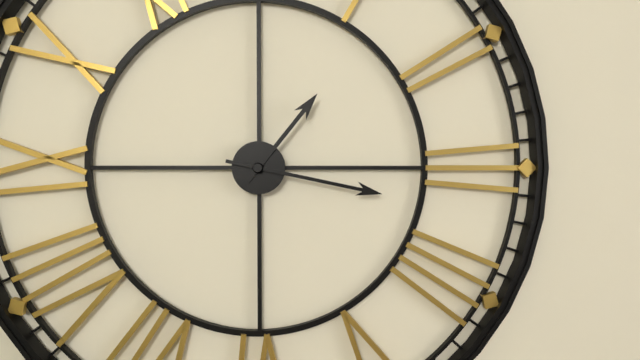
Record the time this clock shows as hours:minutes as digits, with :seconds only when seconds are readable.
1:17
